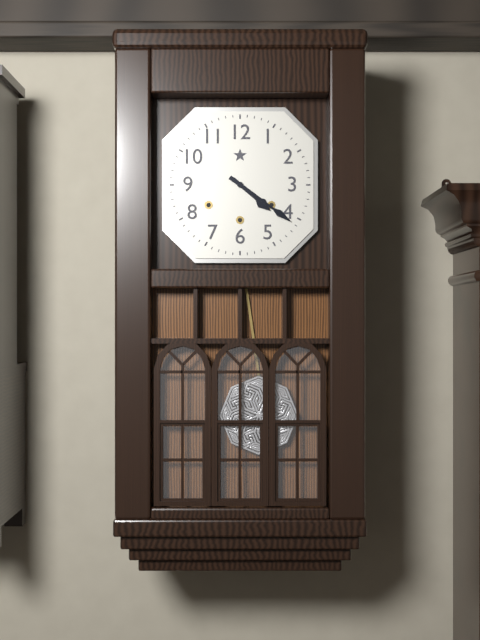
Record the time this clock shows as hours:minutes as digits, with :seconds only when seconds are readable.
4:21
